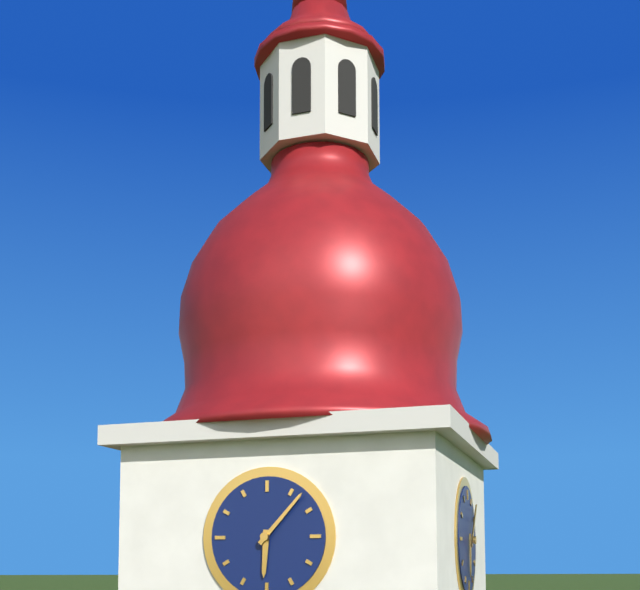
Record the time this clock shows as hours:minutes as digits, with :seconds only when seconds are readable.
6:07
